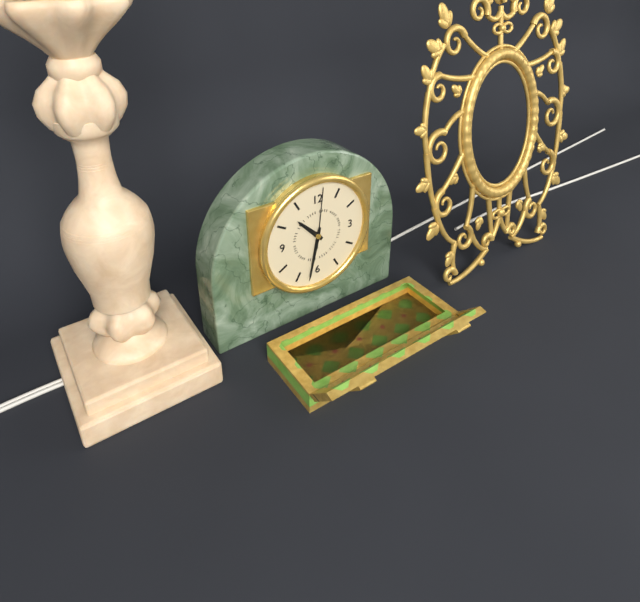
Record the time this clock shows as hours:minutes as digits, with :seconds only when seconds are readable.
10:32:01
